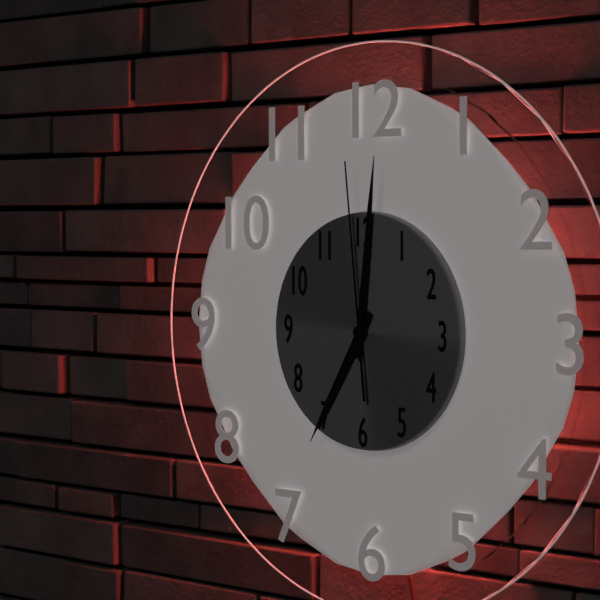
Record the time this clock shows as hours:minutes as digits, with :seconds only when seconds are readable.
7:01:59
